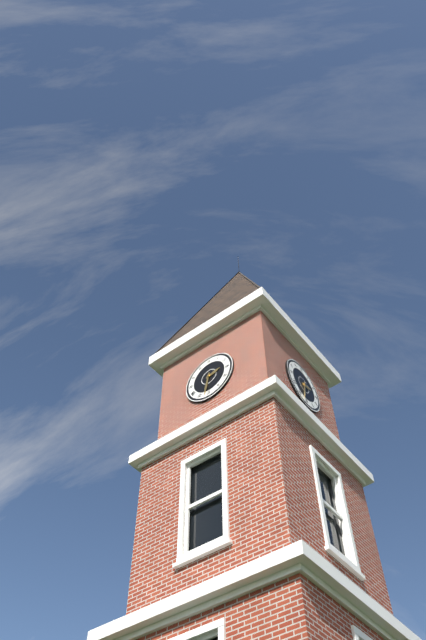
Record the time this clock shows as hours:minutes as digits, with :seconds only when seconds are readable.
2:32
